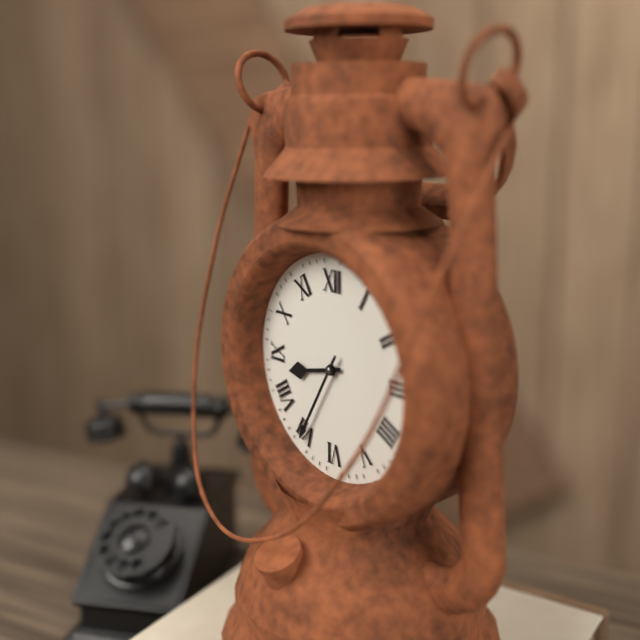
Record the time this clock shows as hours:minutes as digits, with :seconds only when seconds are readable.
8:35
